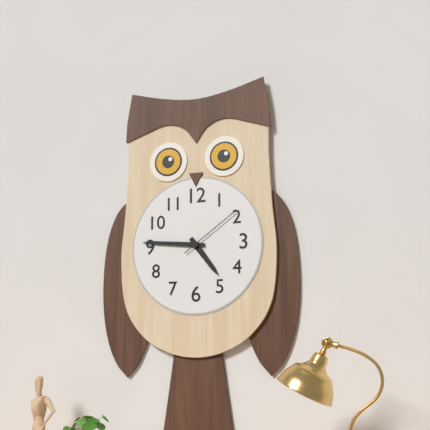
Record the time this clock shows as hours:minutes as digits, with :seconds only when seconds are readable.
4:46:09
